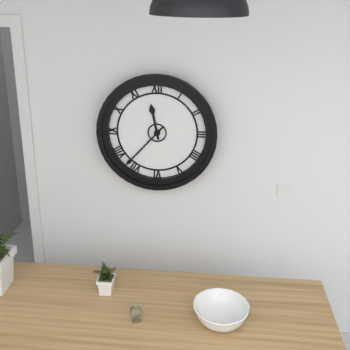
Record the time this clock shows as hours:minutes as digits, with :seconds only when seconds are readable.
11:37
